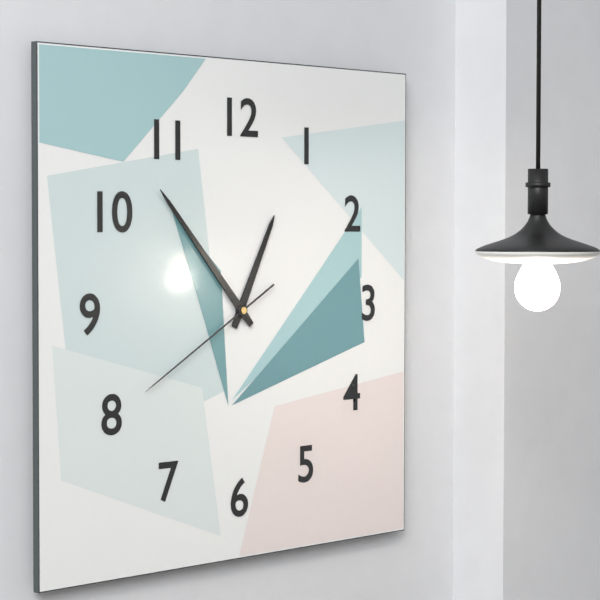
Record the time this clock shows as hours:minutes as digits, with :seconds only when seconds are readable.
12:53:40
